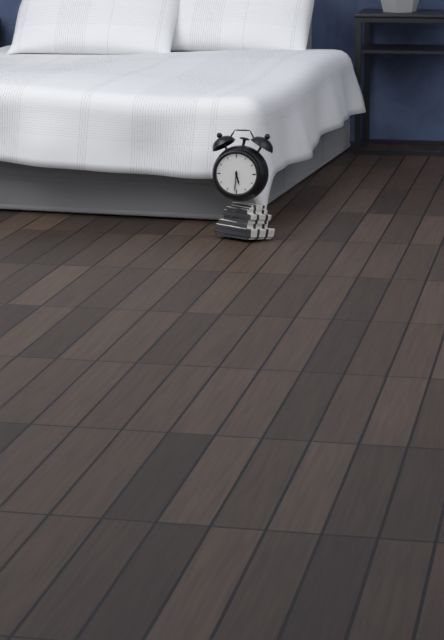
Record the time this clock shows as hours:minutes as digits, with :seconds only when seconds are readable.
5:31
